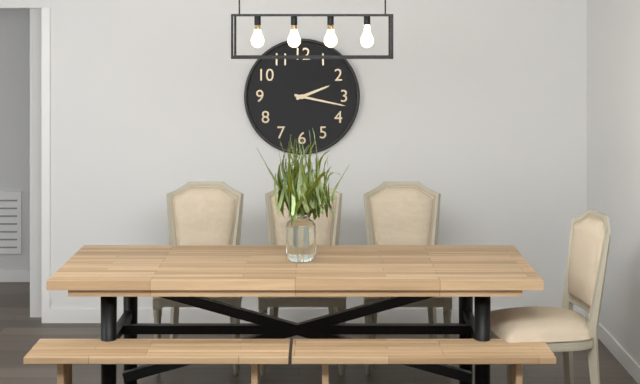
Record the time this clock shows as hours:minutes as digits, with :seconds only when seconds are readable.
2:17
